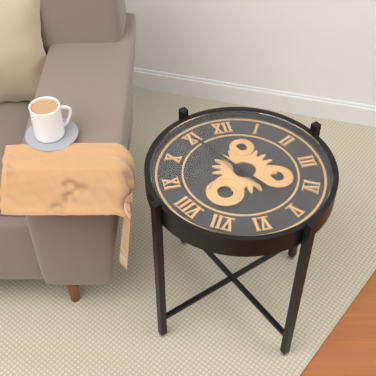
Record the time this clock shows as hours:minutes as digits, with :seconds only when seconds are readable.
4:55
